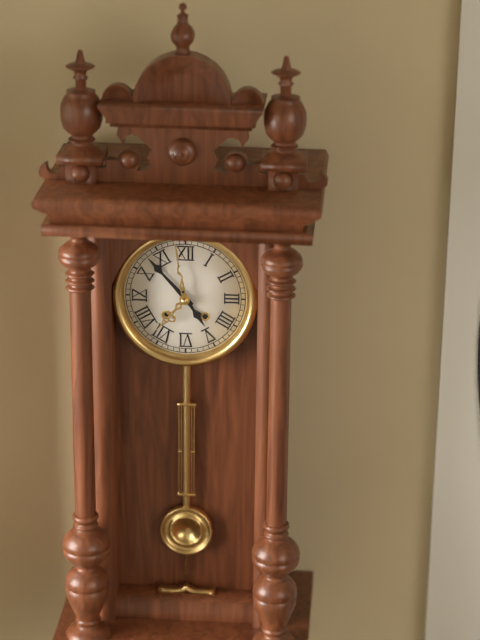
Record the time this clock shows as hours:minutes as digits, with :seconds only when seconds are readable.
4:53
